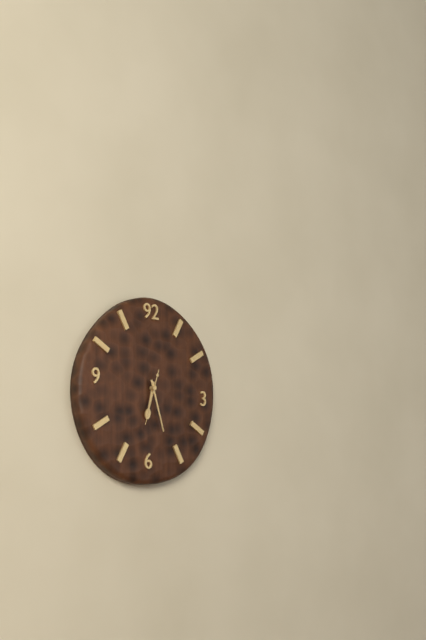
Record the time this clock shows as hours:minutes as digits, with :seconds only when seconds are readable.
6:27
